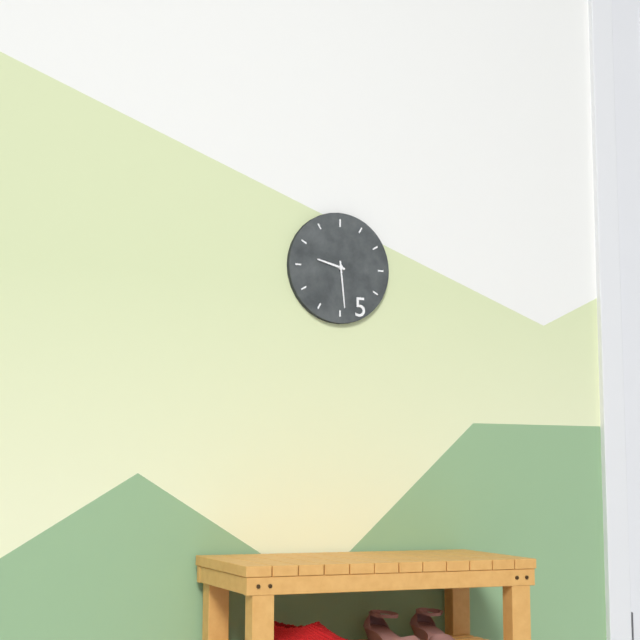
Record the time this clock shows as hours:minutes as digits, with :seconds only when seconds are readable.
9:29
